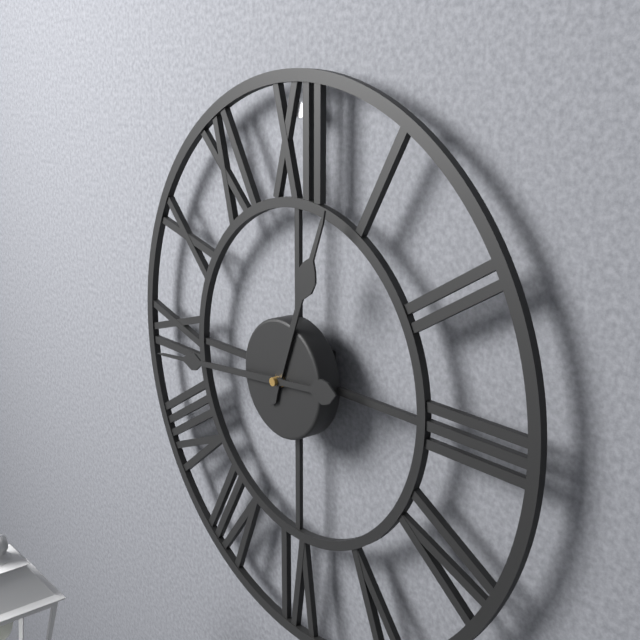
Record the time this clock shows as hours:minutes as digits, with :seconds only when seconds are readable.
12:44
